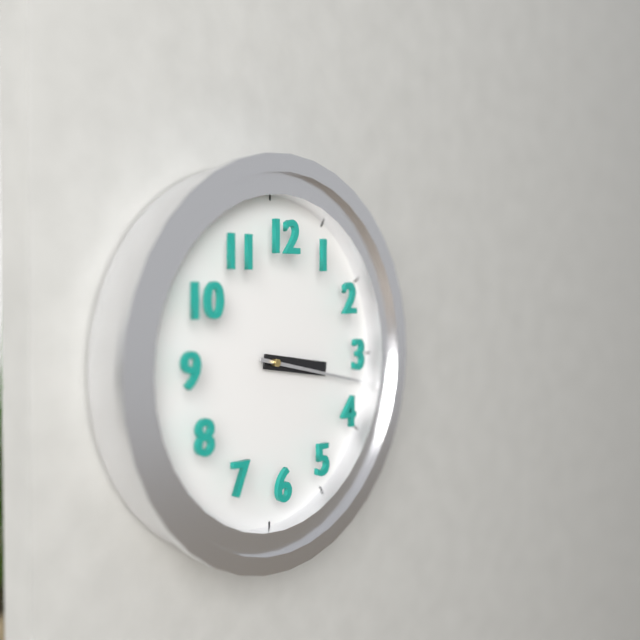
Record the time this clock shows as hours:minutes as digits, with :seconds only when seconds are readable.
3:17
